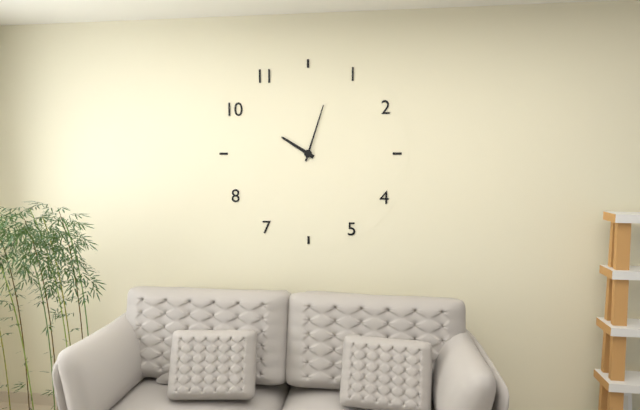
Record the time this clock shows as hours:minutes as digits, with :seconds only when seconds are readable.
10:03
